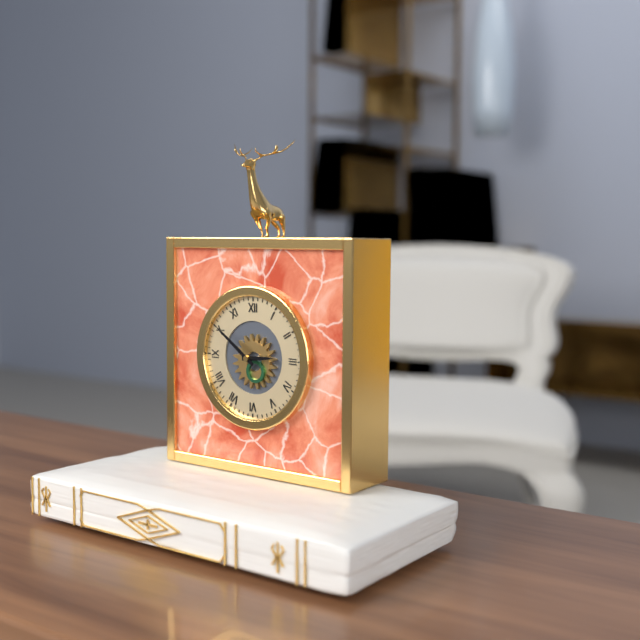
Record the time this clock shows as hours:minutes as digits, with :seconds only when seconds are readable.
2:51
